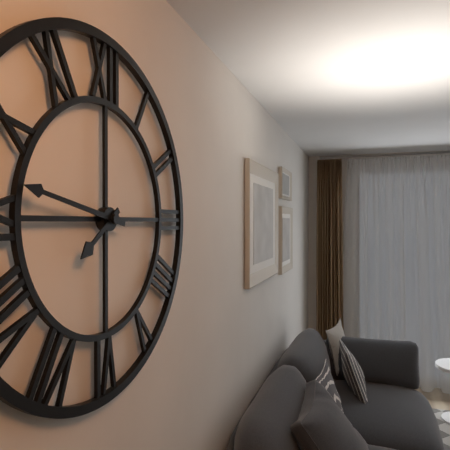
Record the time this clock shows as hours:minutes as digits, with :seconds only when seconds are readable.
7:47
